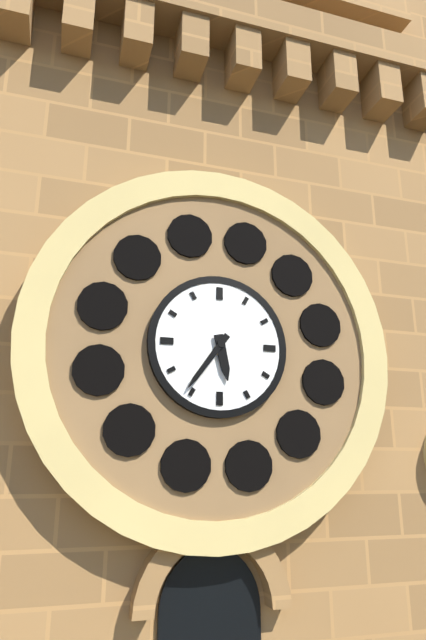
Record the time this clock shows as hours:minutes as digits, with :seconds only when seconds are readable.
5:36
